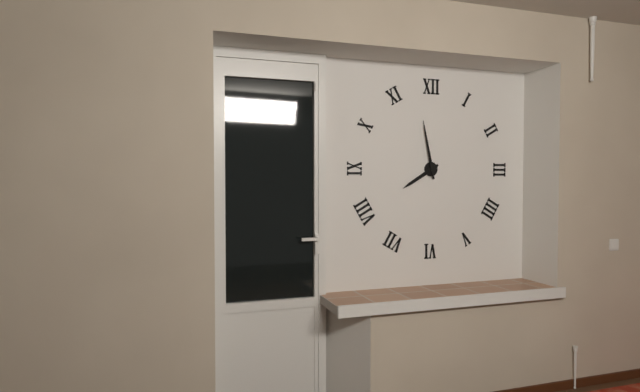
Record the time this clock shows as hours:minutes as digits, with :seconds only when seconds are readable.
7:58
